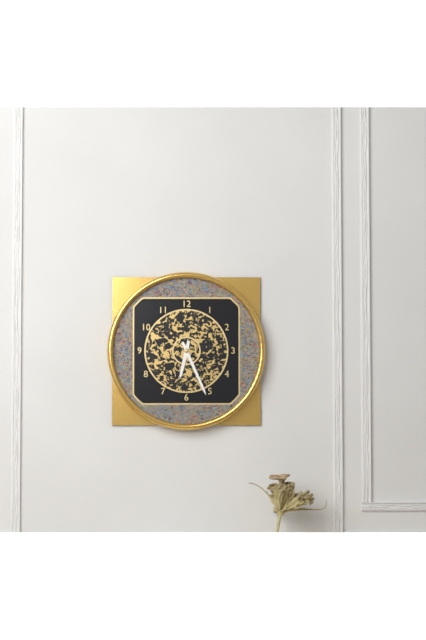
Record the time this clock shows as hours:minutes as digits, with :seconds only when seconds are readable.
6:26
